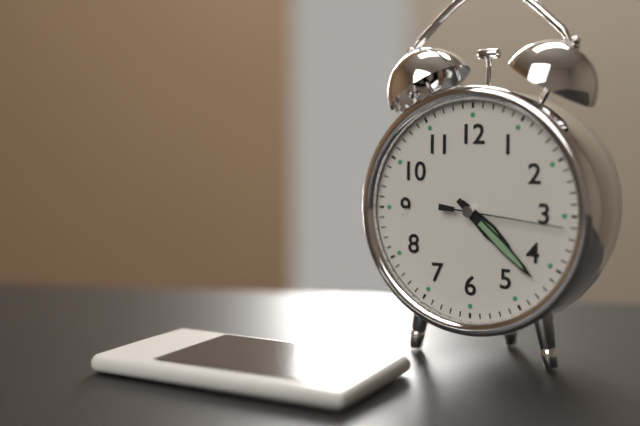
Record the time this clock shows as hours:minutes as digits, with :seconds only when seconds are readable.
4:22:16
